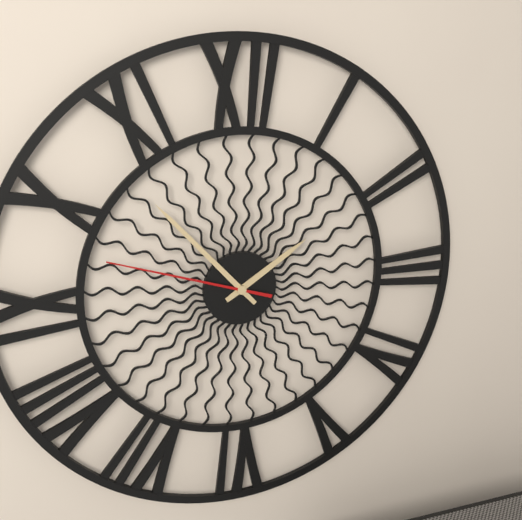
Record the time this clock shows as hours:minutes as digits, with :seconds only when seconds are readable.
1:53:48
